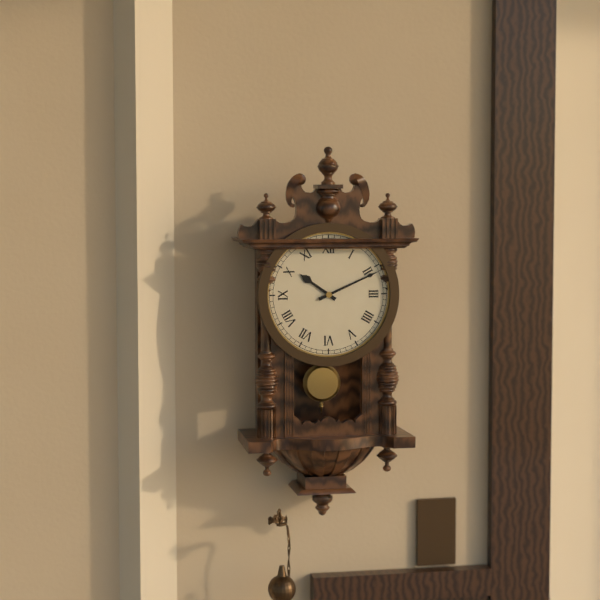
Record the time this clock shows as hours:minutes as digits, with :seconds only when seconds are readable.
10:11
